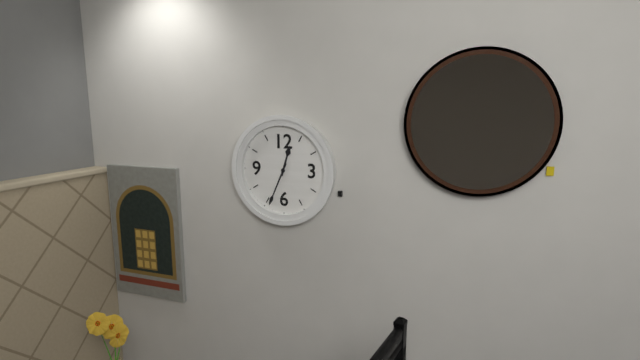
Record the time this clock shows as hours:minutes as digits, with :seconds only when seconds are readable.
12:34
